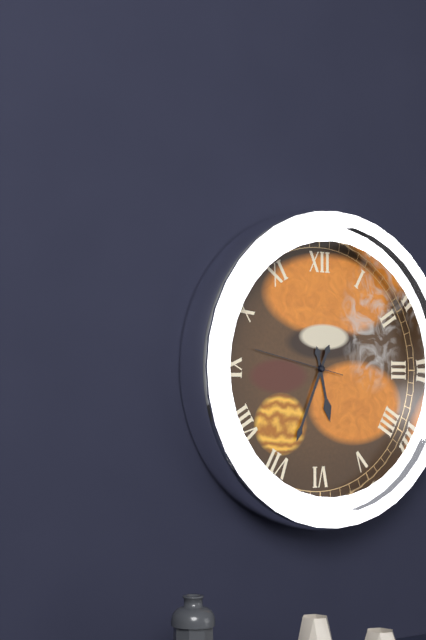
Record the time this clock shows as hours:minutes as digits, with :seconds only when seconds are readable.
5:34:47
